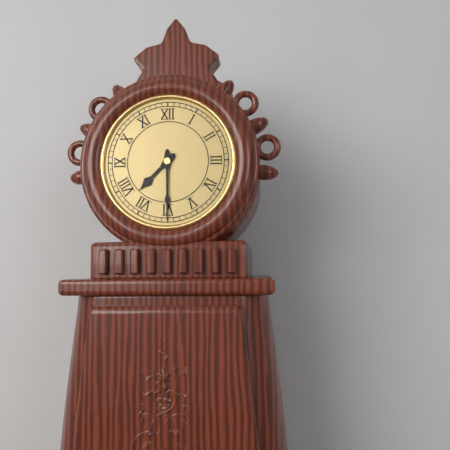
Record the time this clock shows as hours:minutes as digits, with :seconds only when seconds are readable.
7:30
